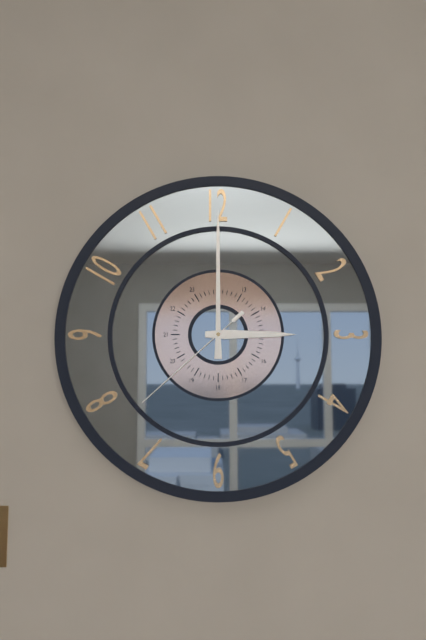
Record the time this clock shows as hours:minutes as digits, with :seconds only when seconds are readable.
3:00:38
